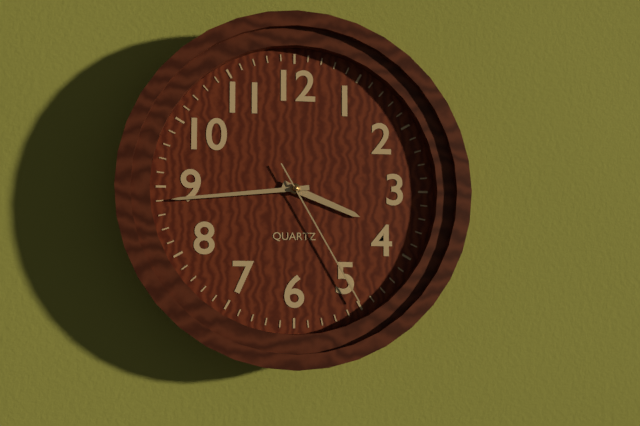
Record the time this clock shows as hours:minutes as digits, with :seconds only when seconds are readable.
3:44:25
